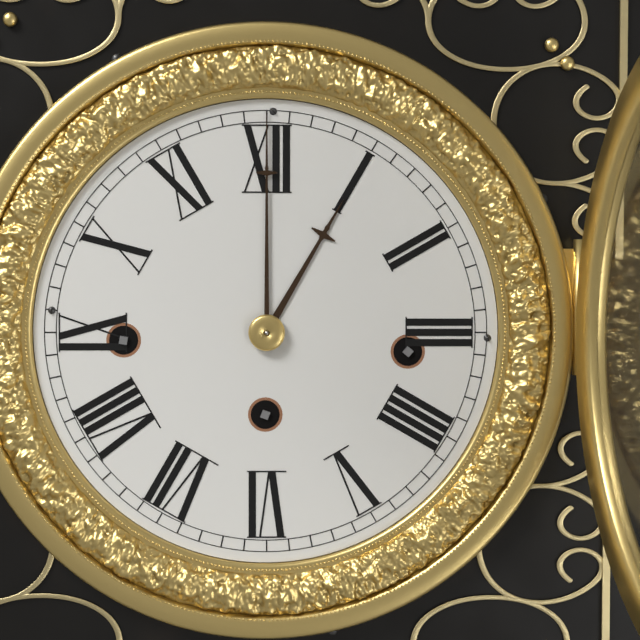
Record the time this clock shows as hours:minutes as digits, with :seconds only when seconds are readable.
1:00
